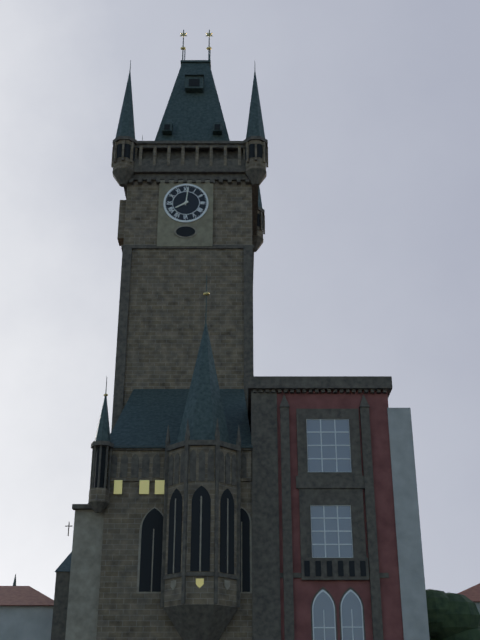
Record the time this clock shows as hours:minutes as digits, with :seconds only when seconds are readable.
8:01
